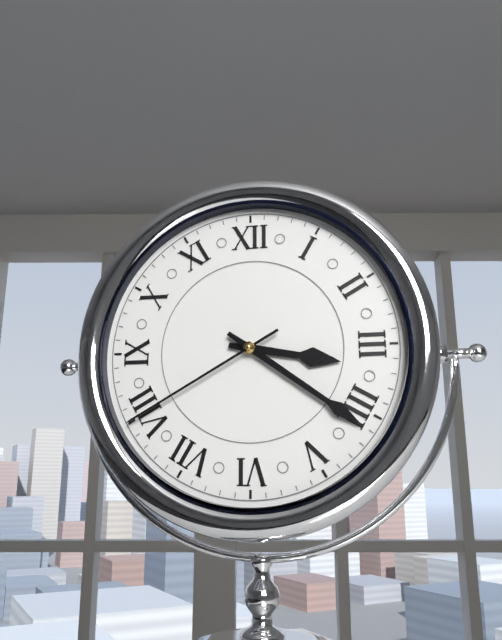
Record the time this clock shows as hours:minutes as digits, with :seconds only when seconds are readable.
3:21:40
